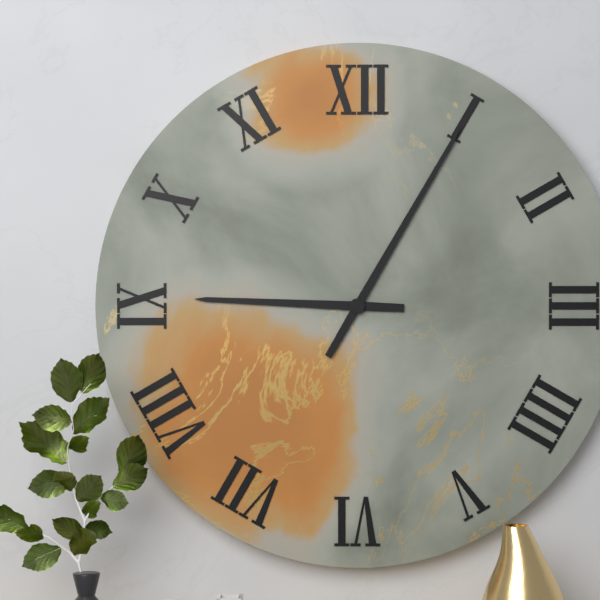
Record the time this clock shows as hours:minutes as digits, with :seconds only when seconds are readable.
9:05
